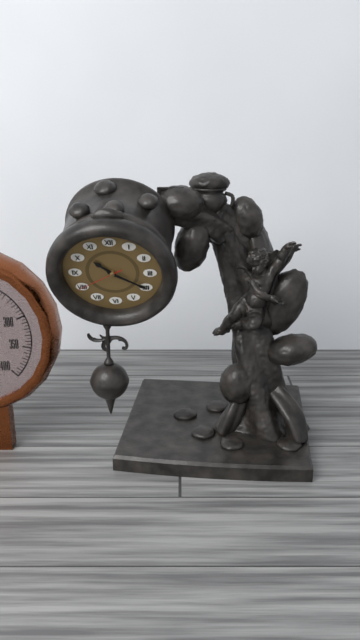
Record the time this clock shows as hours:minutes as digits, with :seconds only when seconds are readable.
10:20
